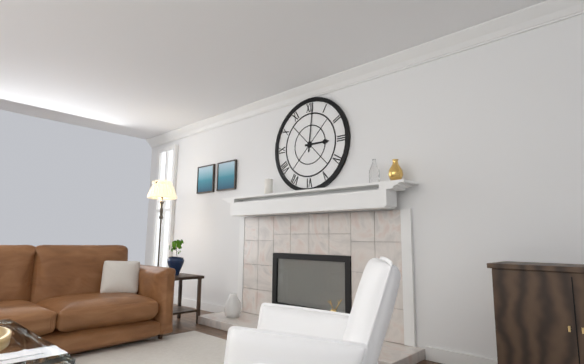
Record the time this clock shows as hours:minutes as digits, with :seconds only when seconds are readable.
3:01
